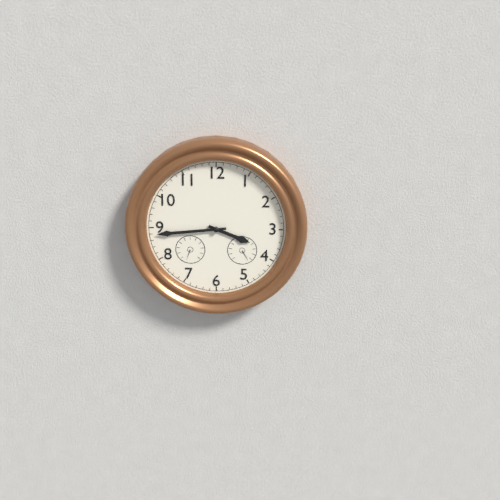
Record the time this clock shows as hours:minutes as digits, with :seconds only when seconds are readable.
3:44
